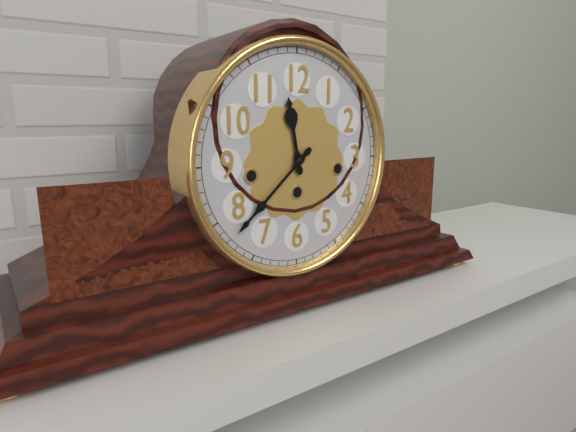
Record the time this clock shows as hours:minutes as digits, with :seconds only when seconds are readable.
11:38
